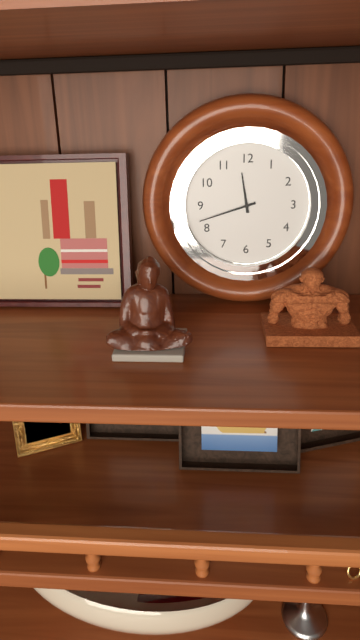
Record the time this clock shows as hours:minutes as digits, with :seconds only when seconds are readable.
11:42
